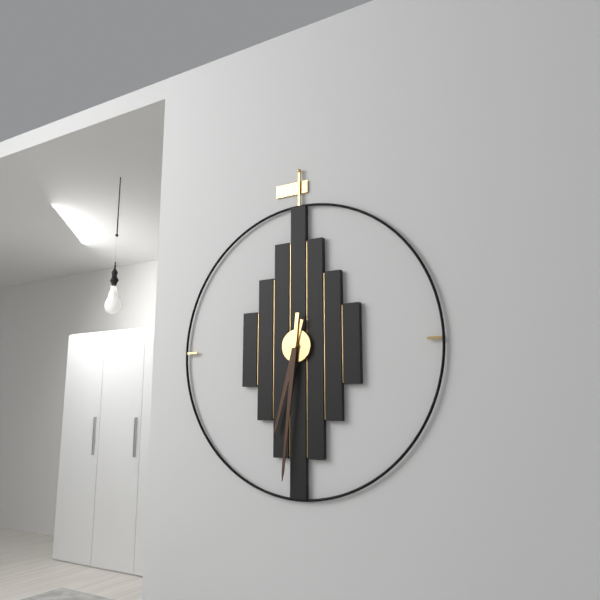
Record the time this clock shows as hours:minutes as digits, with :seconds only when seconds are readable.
6:31
